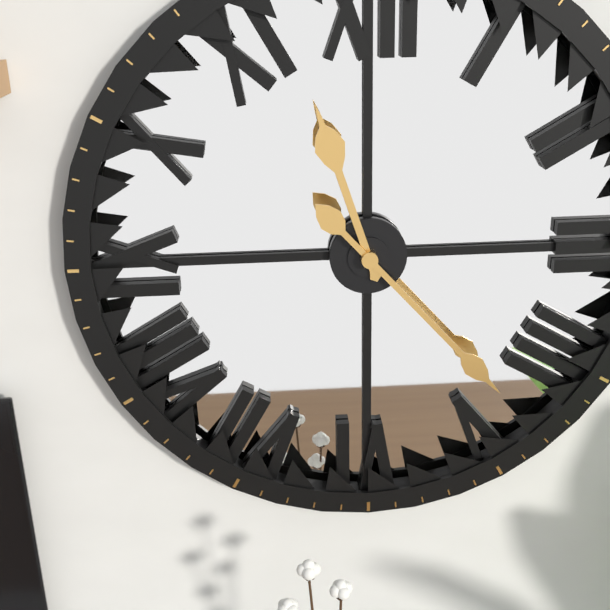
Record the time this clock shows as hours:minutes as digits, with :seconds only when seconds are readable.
11:23
